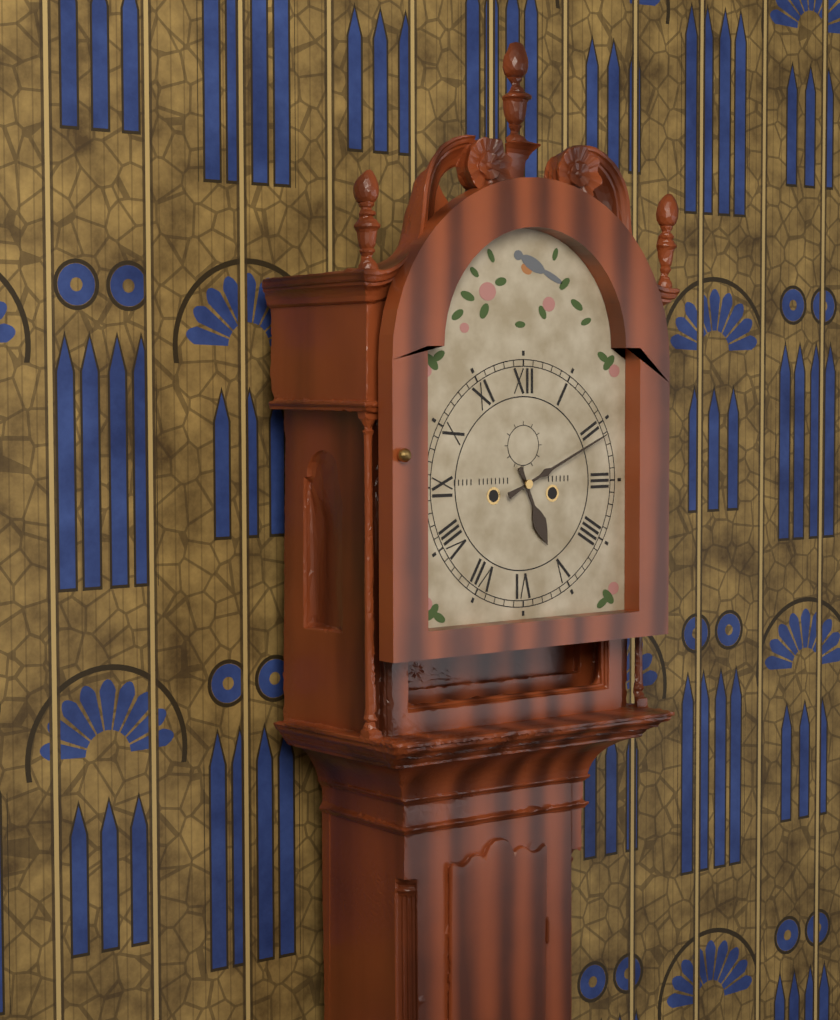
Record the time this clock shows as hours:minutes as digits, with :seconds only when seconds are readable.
5:11
